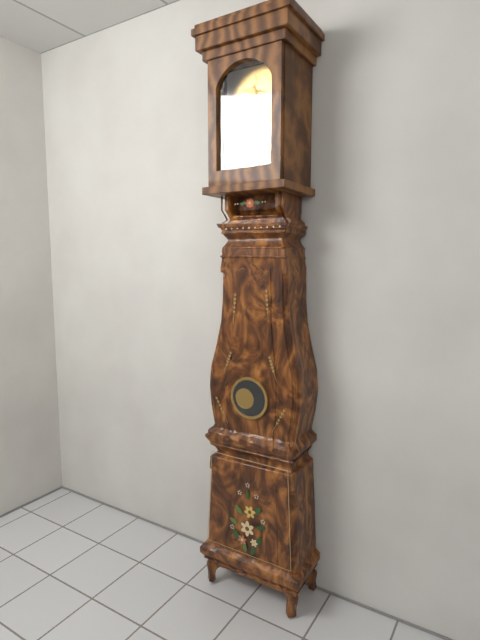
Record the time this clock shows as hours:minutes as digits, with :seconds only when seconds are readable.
4:37
